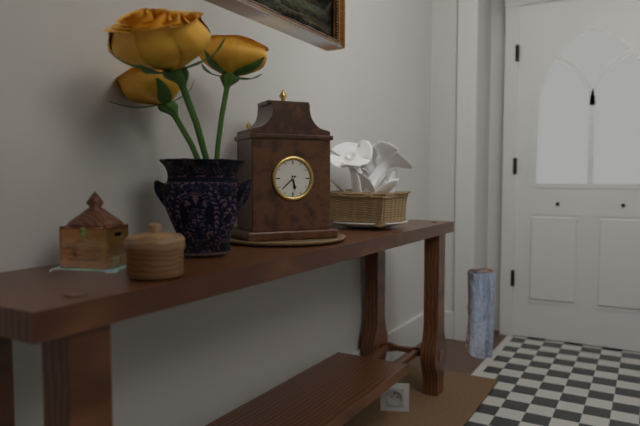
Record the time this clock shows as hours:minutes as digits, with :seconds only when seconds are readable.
5:38
